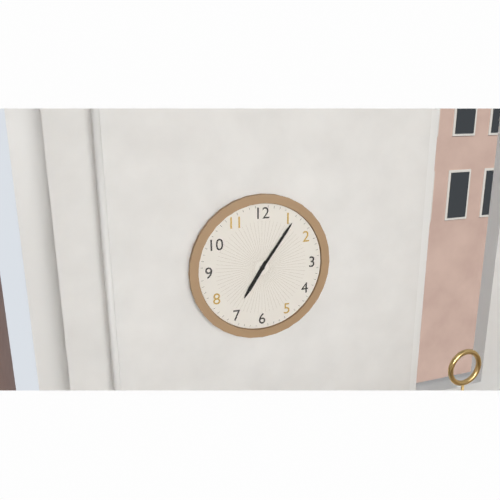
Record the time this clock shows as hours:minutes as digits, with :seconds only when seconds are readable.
7:06
